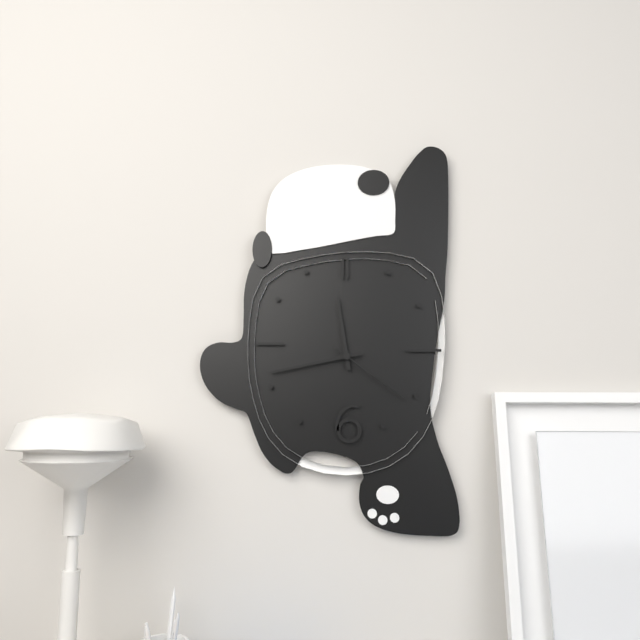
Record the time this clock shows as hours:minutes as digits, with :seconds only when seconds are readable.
11:43:21
